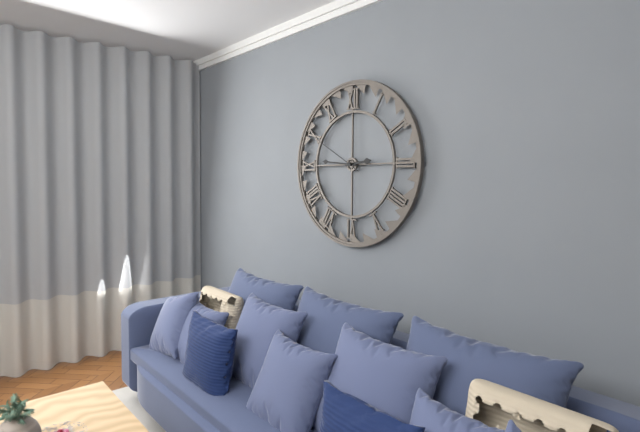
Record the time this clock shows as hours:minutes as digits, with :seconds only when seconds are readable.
2:46
